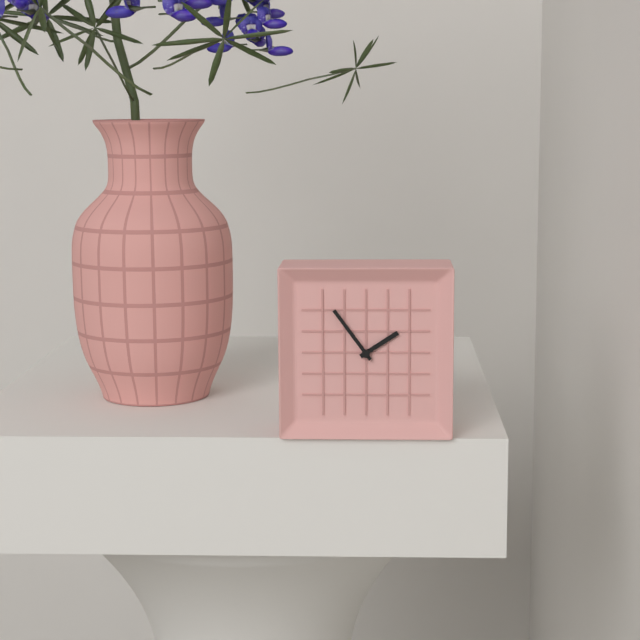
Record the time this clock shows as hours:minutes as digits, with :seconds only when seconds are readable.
1:54
